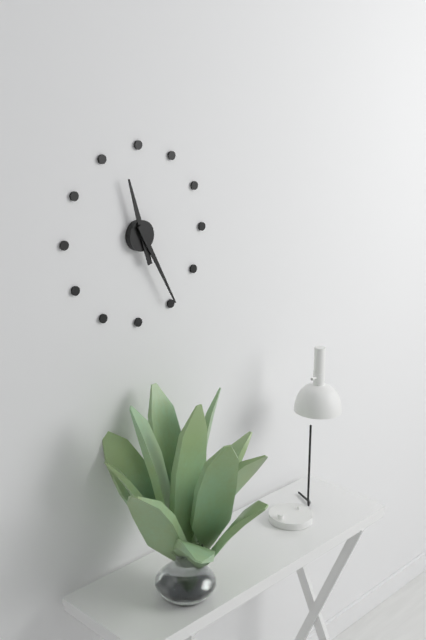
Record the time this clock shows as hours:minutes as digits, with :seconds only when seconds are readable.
11:25
